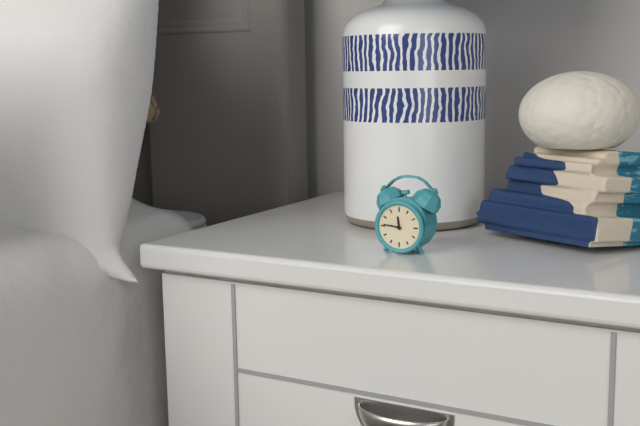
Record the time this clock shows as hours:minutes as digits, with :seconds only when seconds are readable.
11:46
